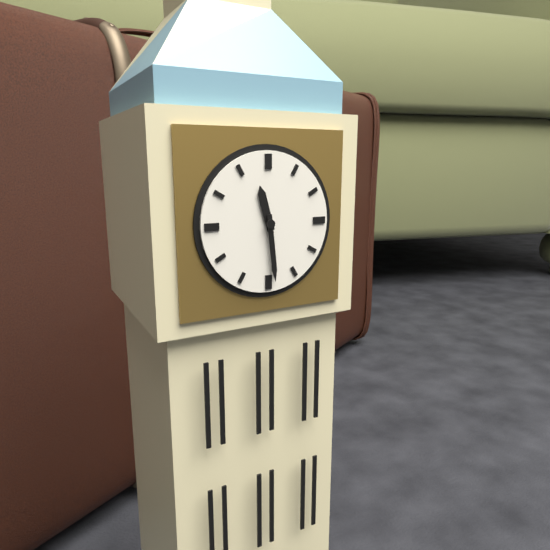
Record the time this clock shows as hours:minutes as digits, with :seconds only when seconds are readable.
11:29
